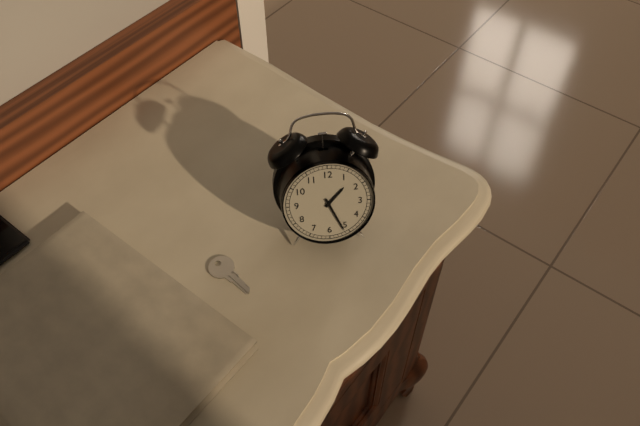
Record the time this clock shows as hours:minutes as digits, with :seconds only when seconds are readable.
1:26
